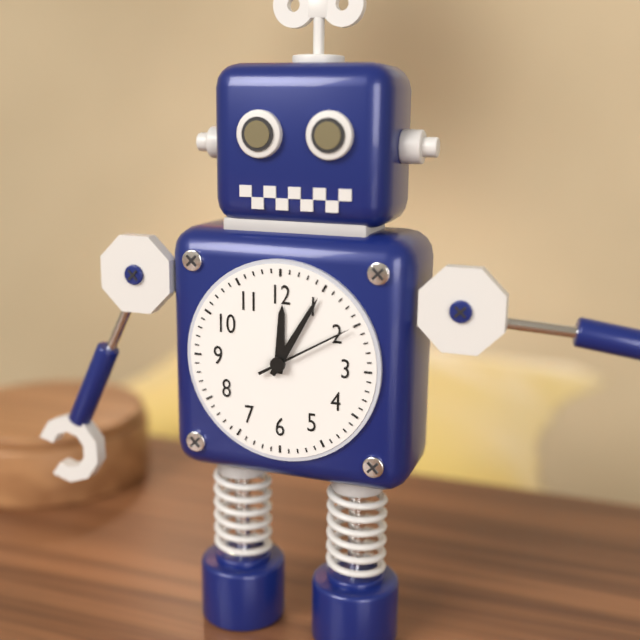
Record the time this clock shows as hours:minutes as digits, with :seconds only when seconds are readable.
12:05:10
